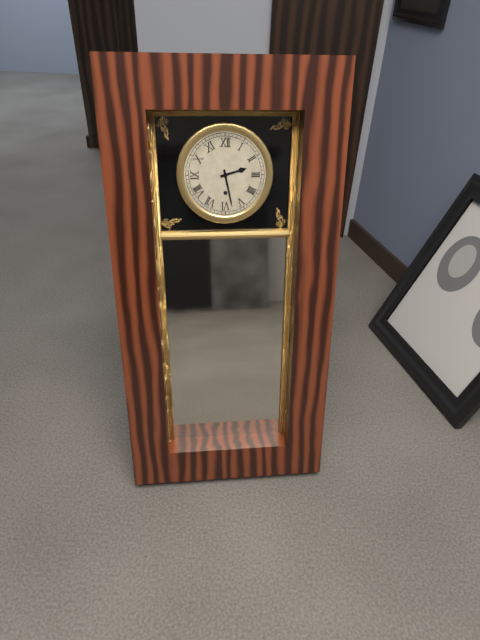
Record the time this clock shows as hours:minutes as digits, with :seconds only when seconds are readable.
2:28
